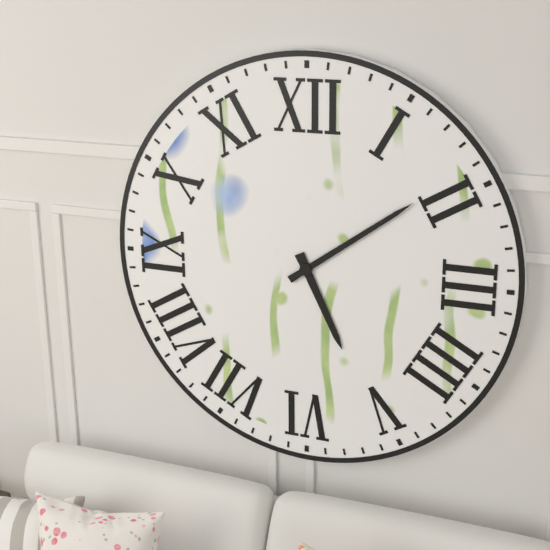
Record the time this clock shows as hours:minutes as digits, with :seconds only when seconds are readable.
5:09
